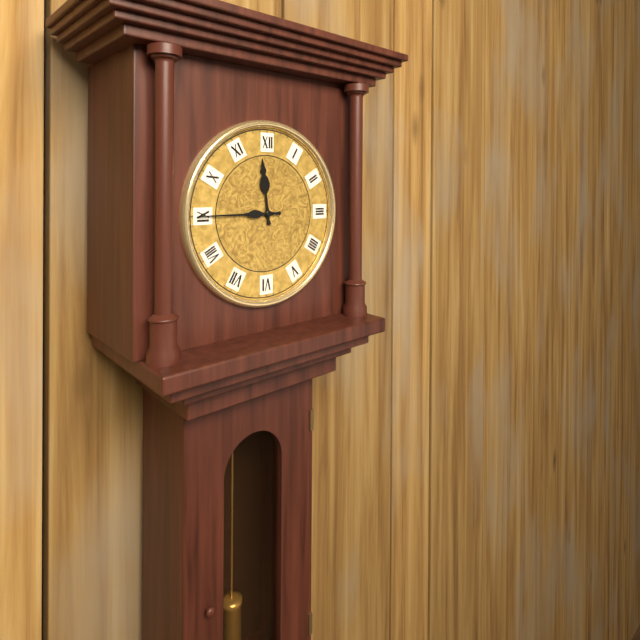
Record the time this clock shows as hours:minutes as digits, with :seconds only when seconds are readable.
11:45
